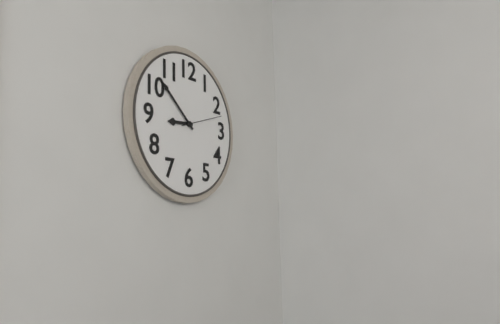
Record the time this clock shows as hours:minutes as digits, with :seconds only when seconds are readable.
8:52
